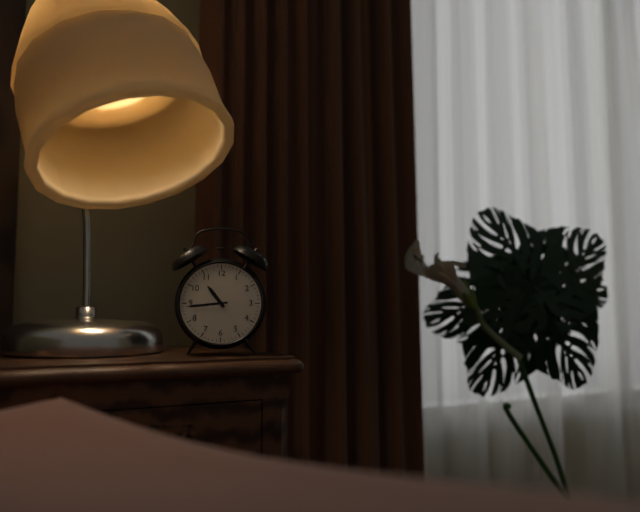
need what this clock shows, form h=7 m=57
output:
h=10 m=44
